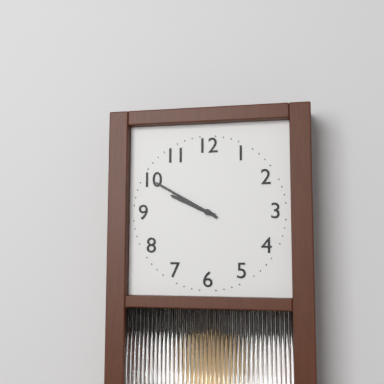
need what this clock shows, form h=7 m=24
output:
h=9 m=50
